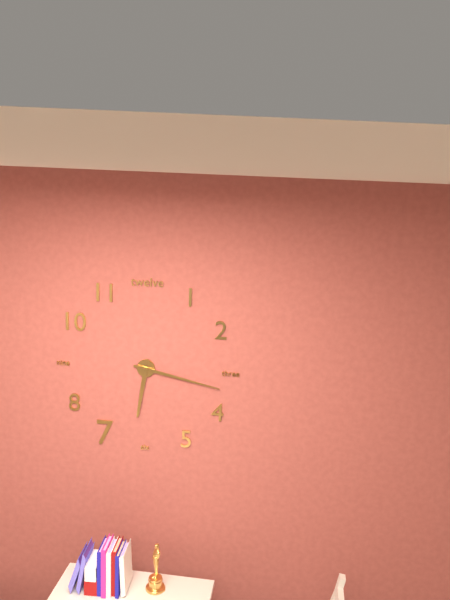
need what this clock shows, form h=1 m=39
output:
h=6 m=17
